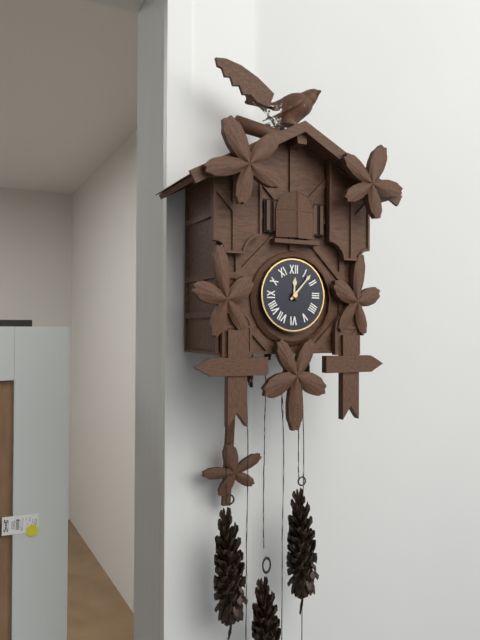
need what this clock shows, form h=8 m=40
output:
h=12 m=7
